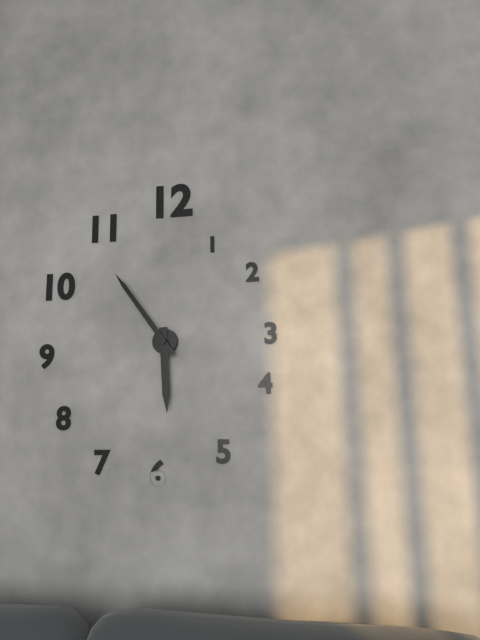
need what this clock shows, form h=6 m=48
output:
h=5 m=54
